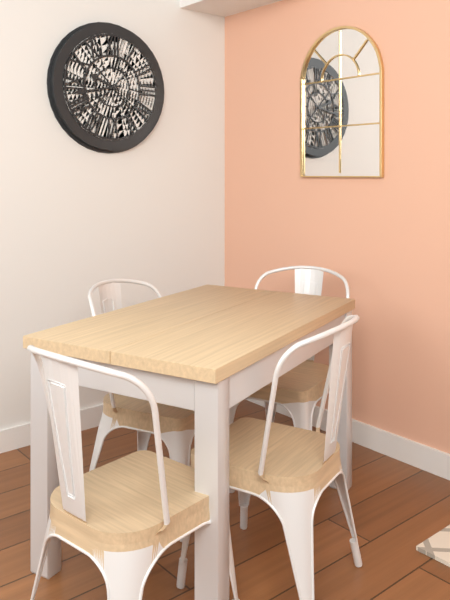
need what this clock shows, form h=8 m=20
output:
h=9 m=43
